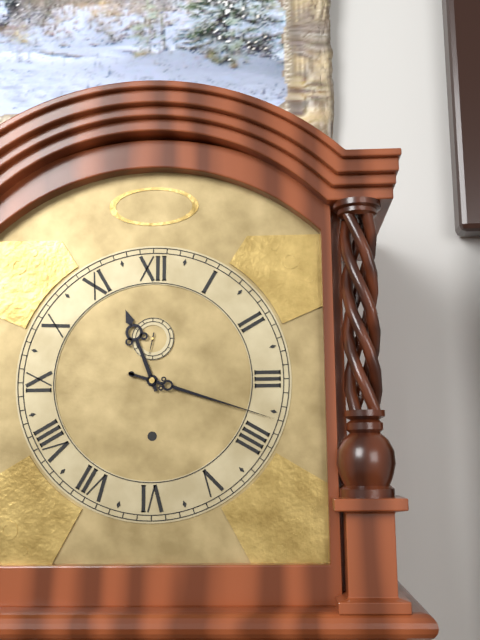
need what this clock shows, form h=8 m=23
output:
h=11 m=18
